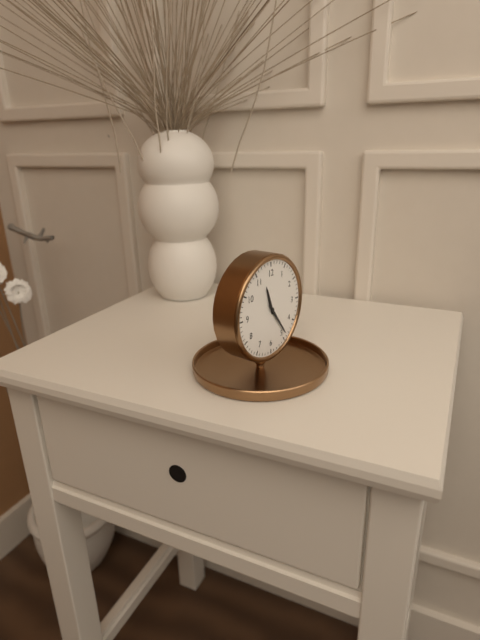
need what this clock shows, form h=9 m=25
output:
h=11 m=24
